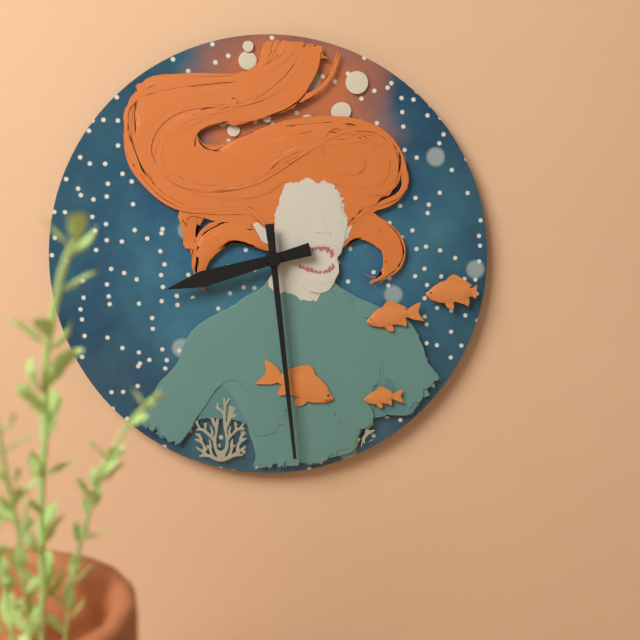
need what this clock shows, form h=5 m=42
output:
h=8 m=29
